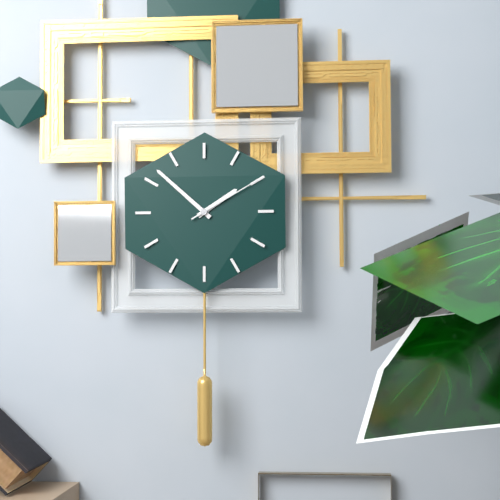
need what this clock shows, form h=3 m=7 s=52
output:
h=1 m=52 s=10
